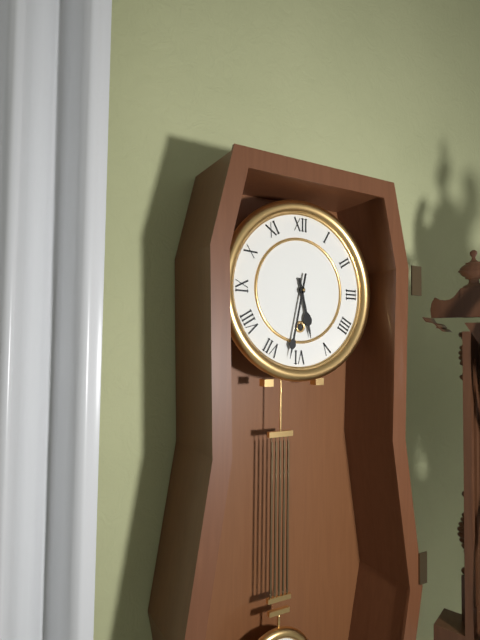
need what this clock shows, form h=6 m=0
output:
h=5 m=32
